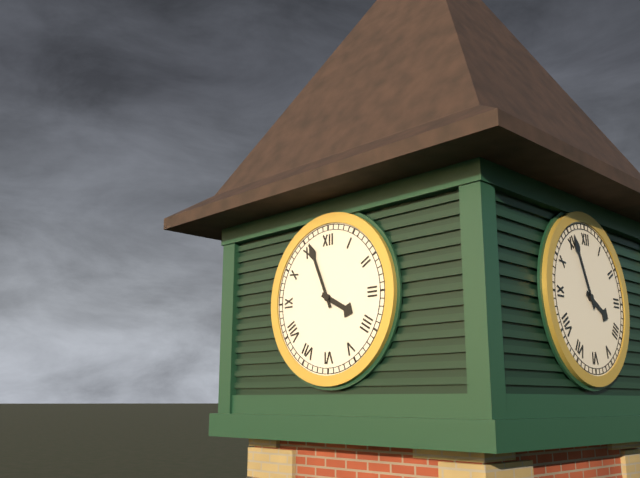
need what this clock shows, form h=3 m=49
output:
h=3 m=56
